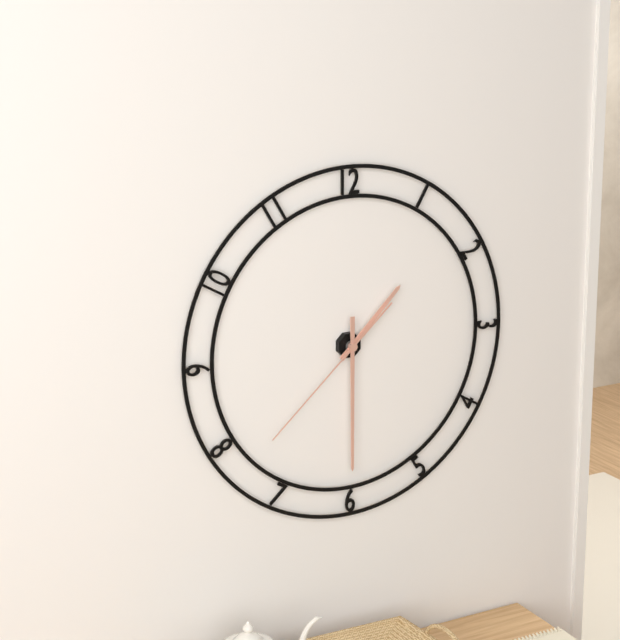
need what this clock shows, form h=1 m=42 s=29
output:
h=1 m=30 s=38
